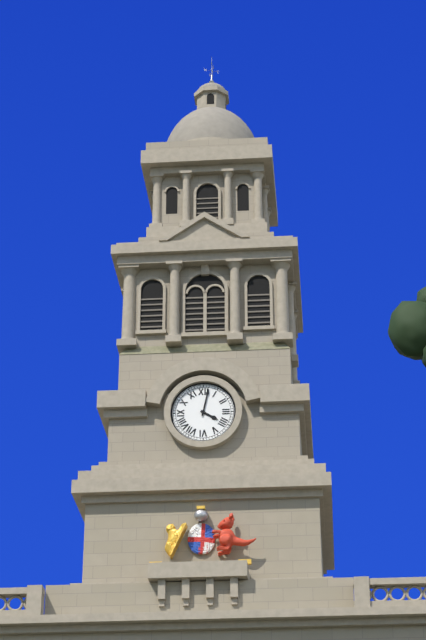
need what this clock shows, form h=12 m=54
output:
h=4 m=2
